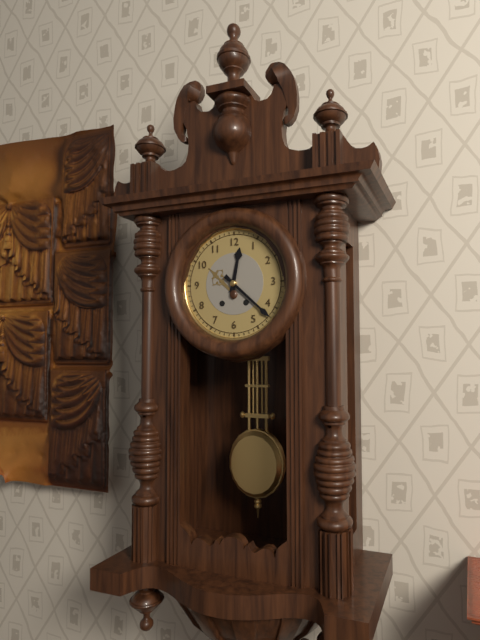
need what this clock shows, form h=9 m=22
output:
h=12 m=22
